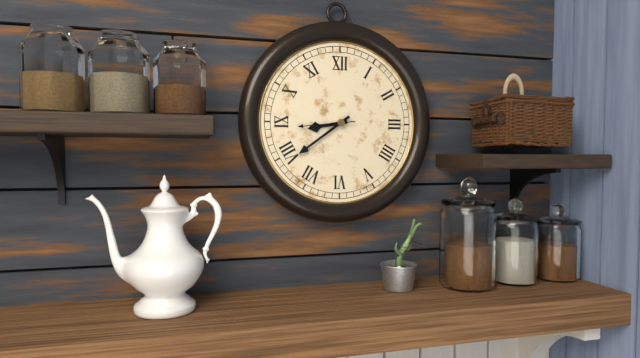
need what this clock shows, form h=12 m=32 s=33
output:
h=8 m=39 s=44
